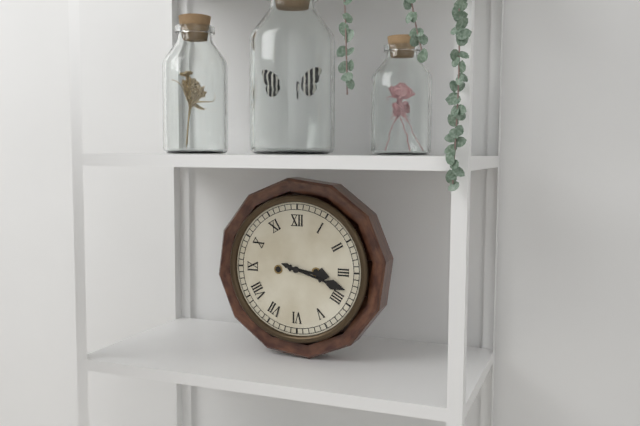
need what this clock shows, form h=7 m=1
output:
h=3 m=18
